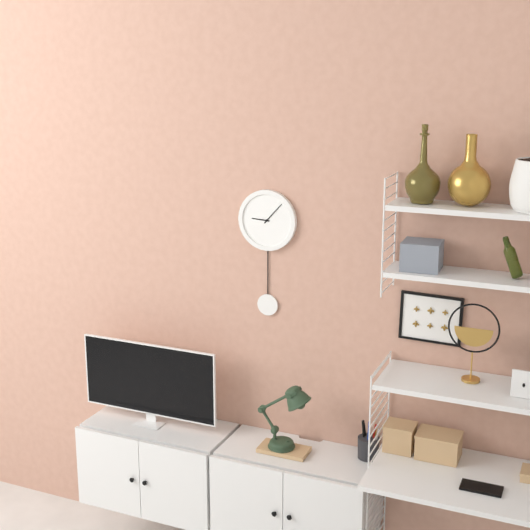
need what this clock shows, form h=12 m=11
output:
h=9 m=7
